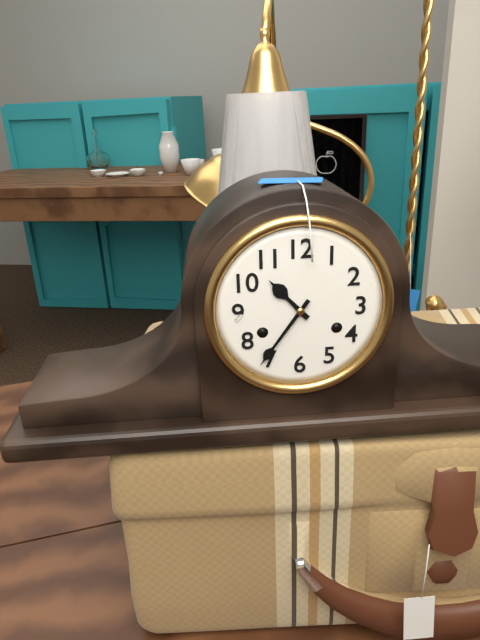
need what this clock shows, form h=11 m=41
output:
h=10 m=36
